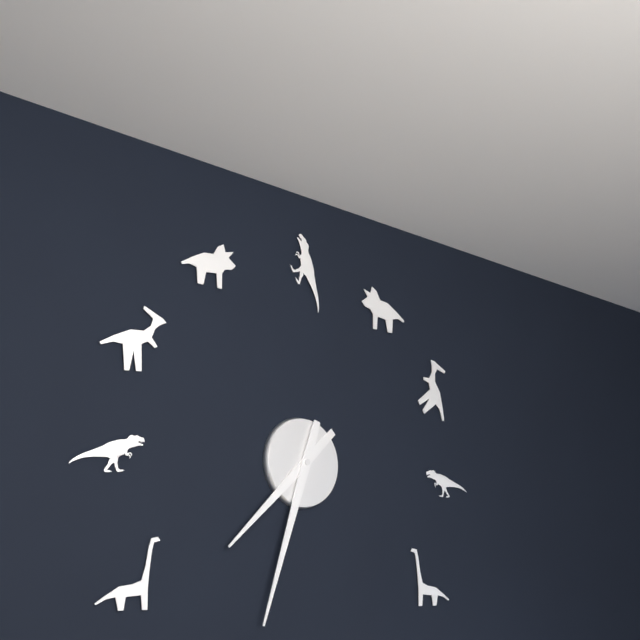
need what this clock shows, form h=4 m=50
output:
h=7 m=33
